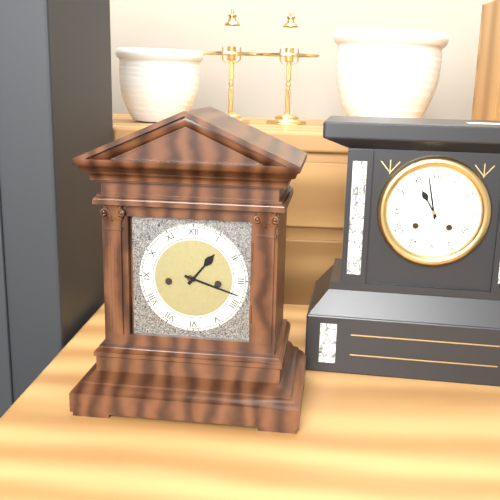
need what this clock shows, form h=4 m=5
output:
h=1 m=18
